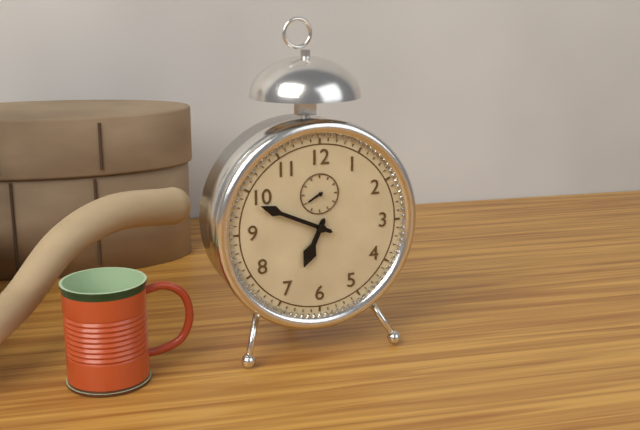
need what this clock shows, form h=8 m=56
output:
h=6 m=49
